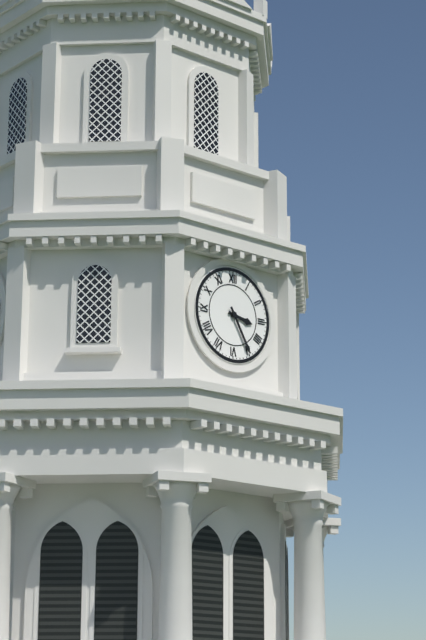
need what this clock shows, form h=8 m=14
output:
h=3 m=25
